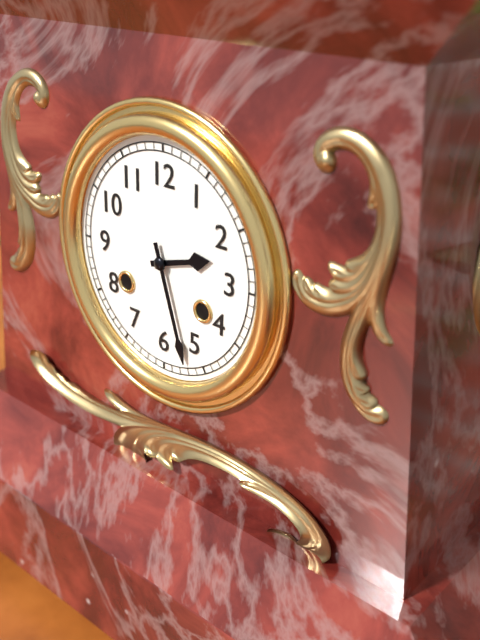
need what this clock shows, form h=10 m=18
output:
h=2 m=27
